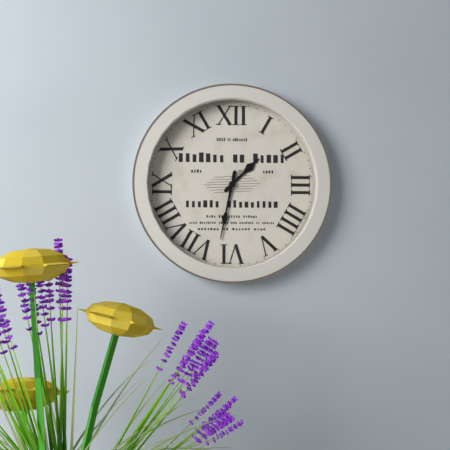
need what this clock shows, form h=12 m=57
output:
h=1 m=32
